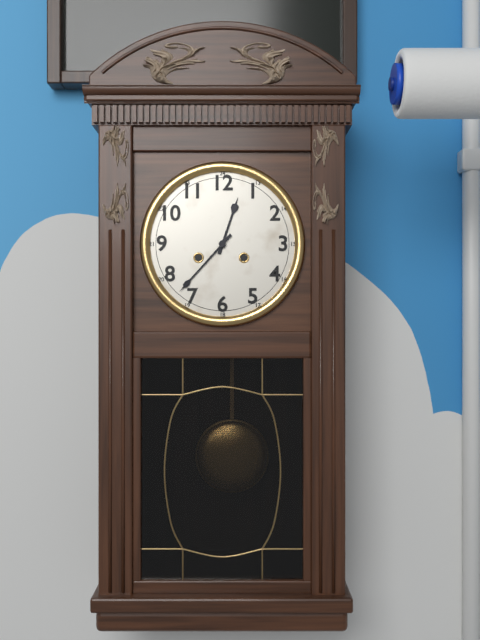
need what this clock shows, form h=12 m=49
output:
h=12 m=37
